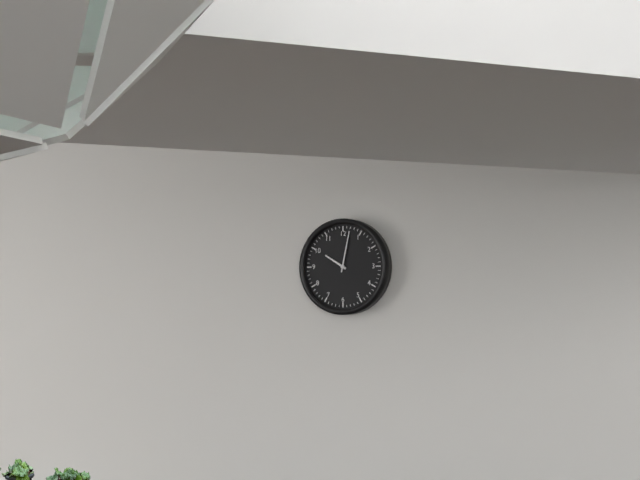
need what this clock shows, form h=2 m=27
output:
h=10 m=2
